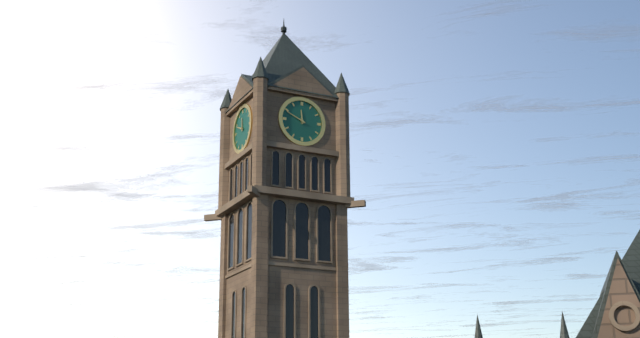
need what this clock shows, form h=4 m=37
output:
h=11 m=49
